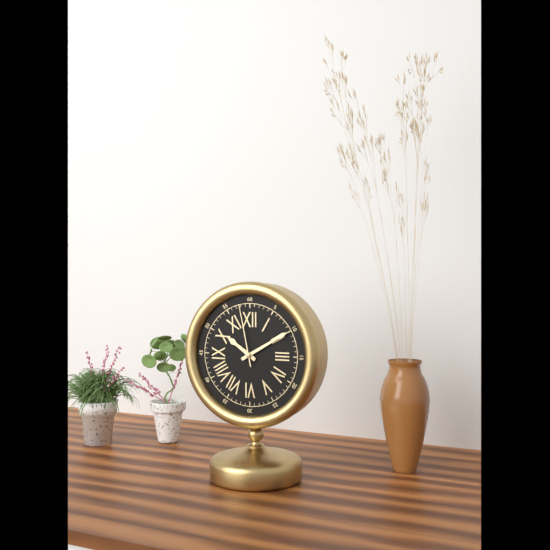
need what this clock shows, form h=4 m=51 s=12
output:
h=10 m=10 s=58
